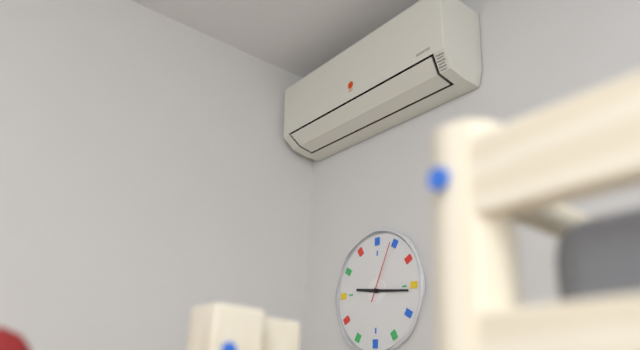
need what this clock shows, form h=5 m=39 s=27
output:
h=9 m=16 s=4
